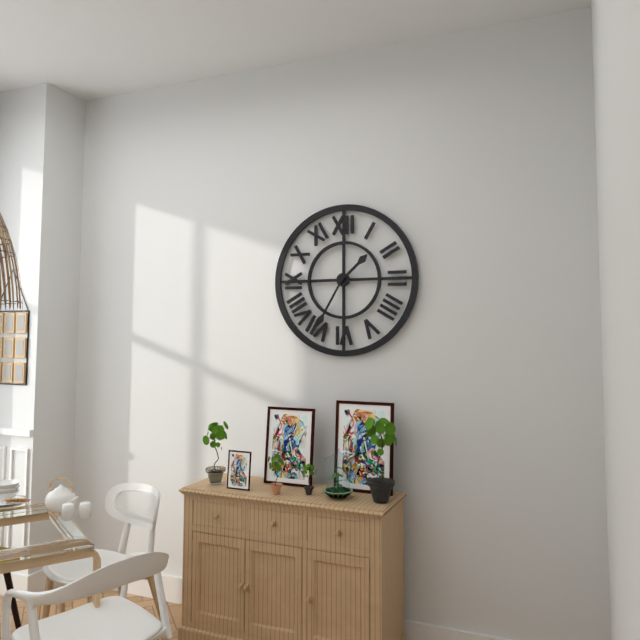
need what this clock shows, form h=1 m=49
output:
h=1 m=35
